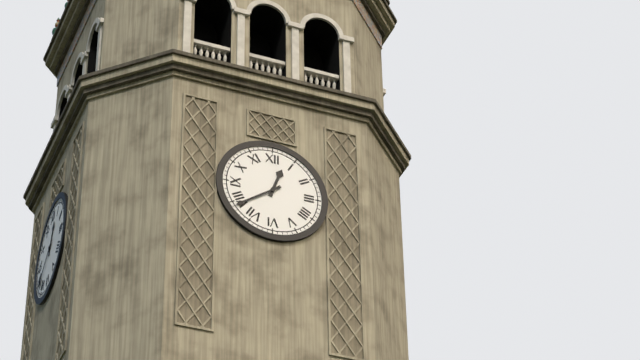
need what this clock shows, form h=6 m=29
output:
h=12 m=39
